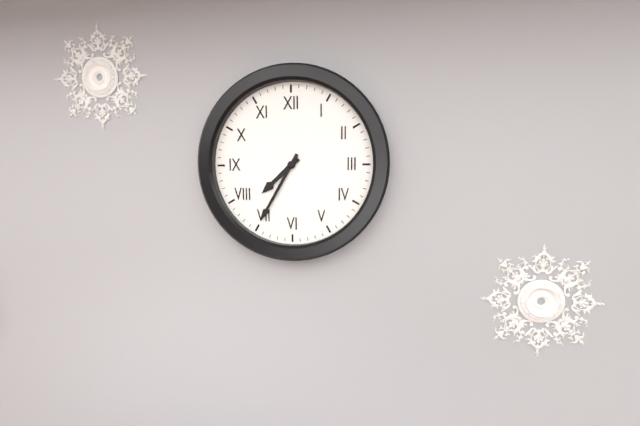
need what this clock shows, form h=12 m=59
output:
h=7 m=35
